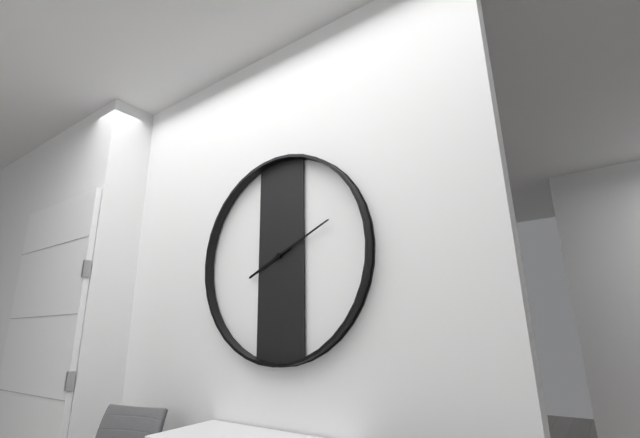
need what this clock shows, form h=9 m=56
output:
h=8 m=11
